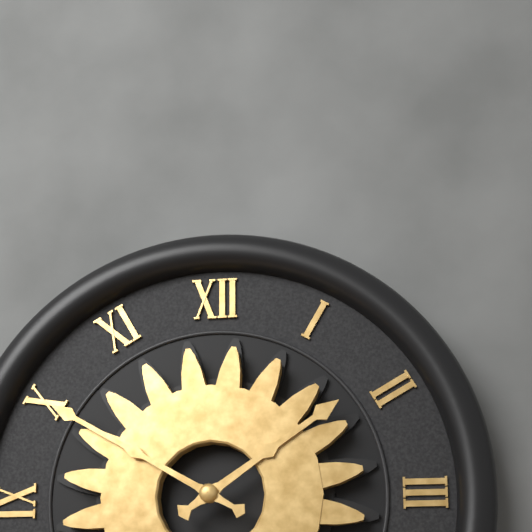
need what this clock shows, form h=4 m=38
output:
h=1 m=50
